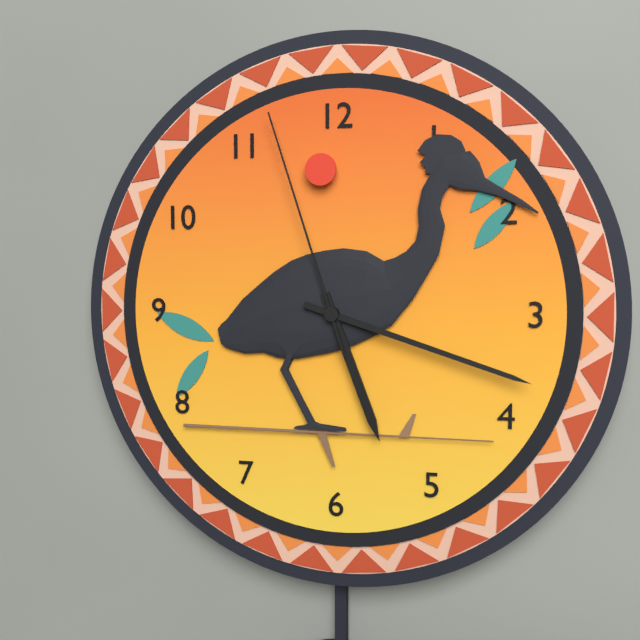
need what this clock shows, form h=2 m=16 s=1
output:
h=5 m=18 s=57
